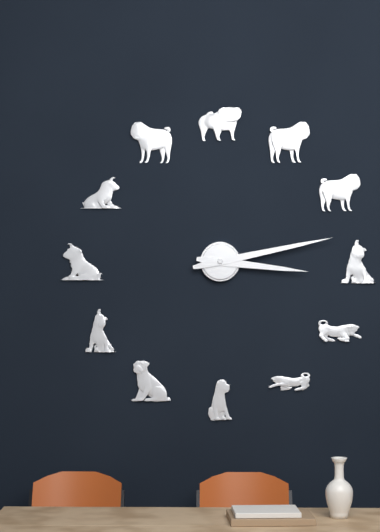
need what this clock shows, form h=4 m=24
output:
h=3 m=13
